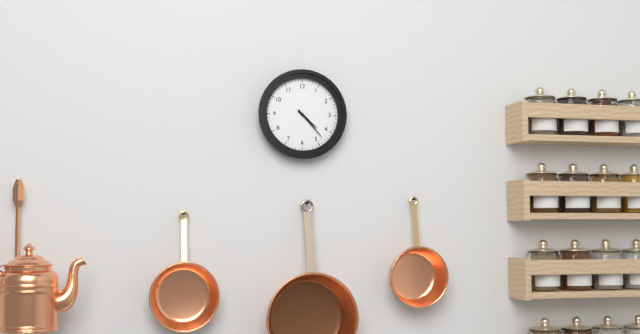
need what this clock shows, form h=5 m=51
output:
h=4 m=23
